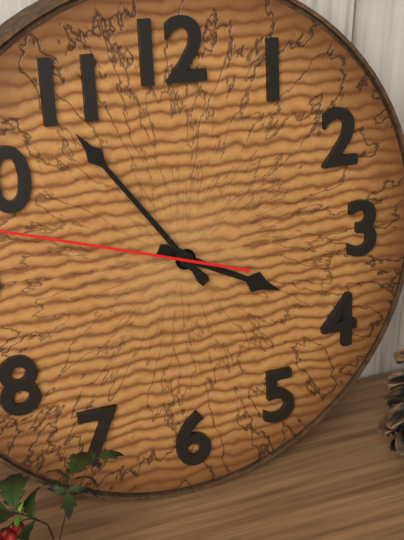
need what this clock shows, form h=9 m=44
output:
h=3 m=54
